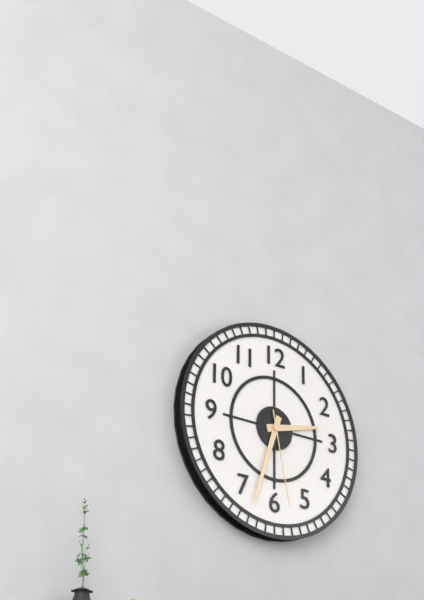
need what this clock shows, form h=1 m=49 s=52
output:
h=2 m=33 s=28
